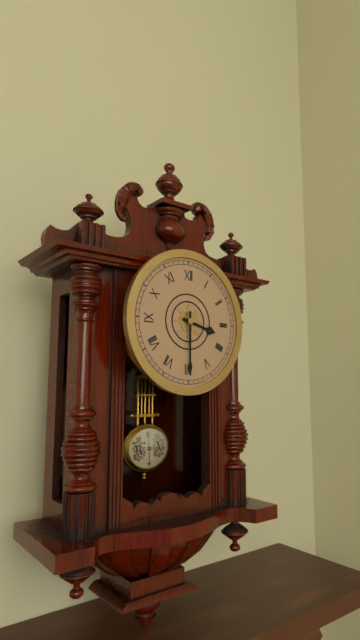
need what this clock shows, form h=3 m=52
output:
h=3 m=30
